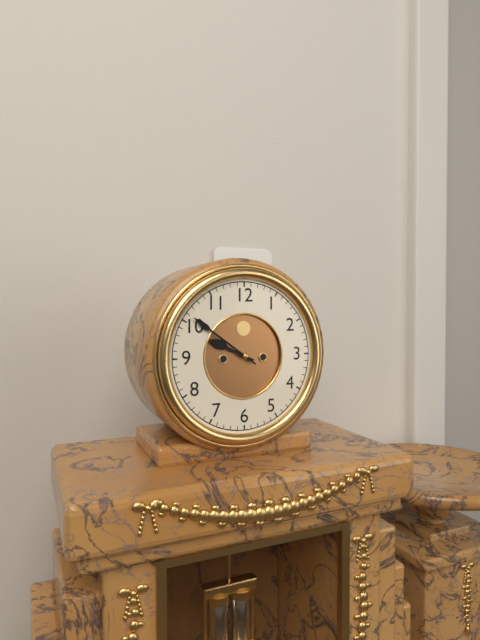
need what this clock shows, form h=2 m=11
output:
h=9 m=51
